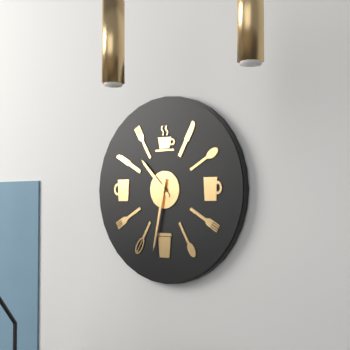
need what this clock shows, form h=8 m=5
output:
h=10 m=32
